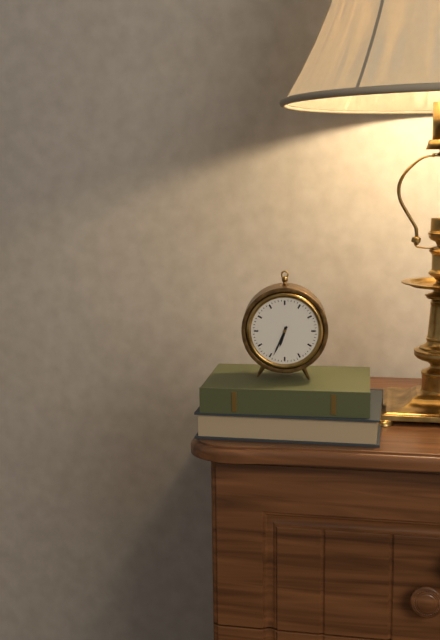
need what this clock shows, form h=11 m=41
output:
h=6 m=34
